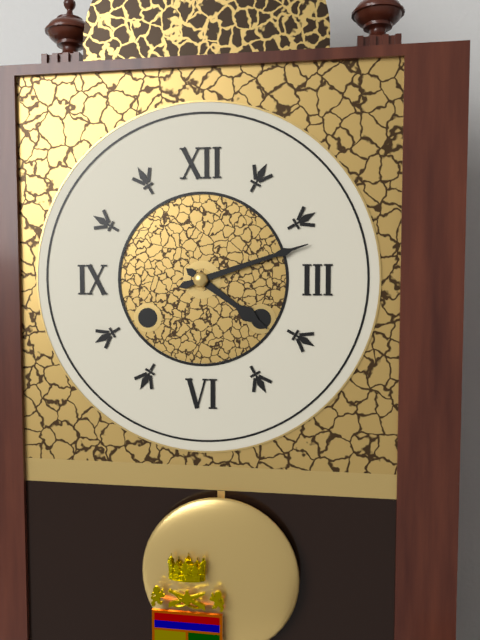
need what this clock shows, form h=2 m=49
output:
h=4 m=12
